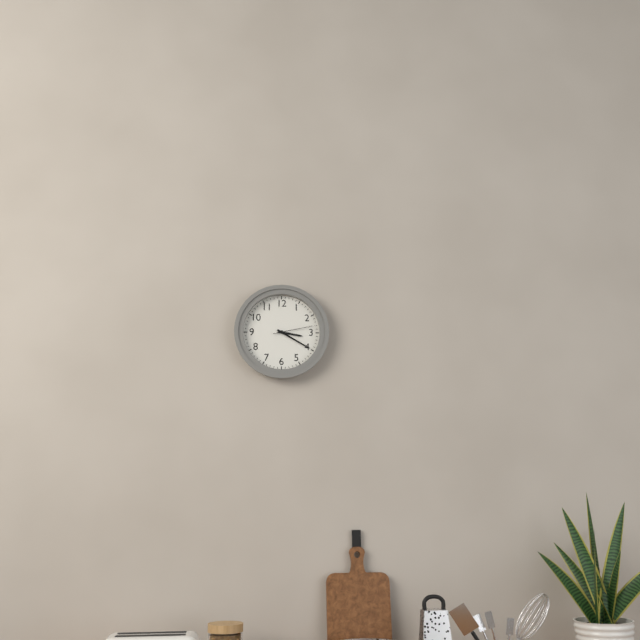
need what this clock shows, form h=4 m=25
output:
h=3 m=20
